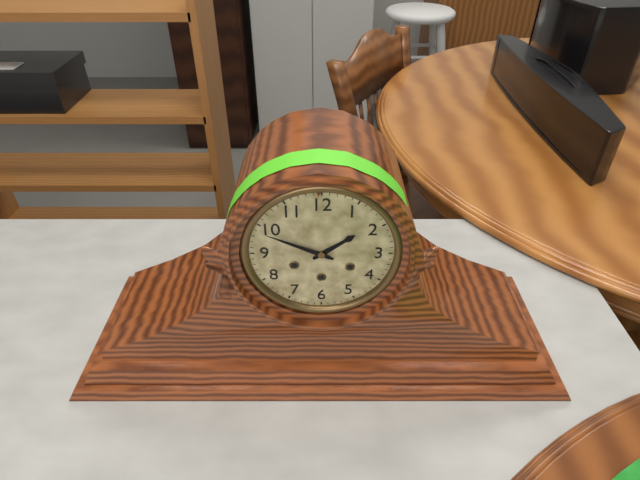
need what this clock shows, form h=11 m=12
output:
h=1 m=49
